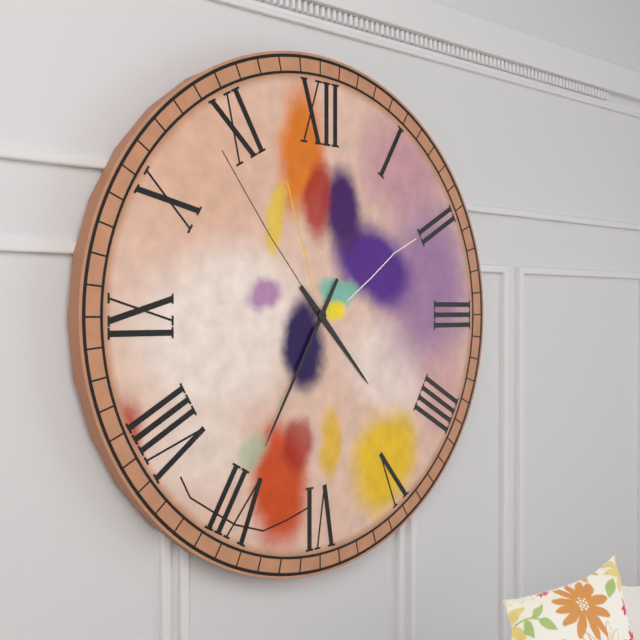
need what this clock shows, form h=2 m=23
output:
h=4 m=35
